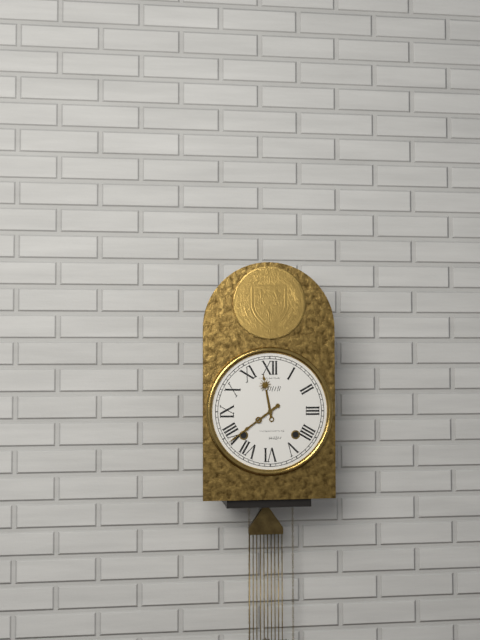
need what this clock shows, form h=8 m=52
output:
h=11 m=39
